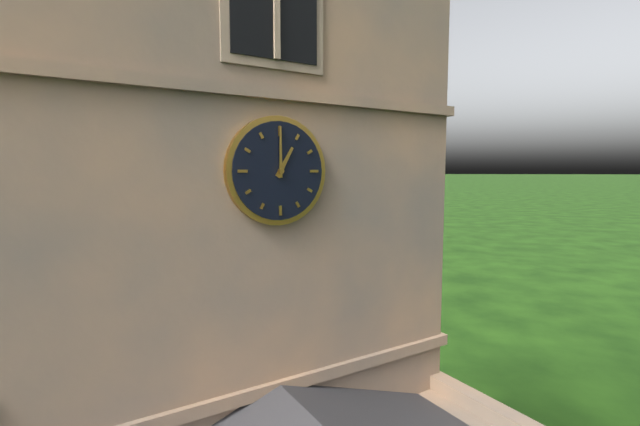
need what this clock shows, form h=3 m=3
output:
h=1 m=0
